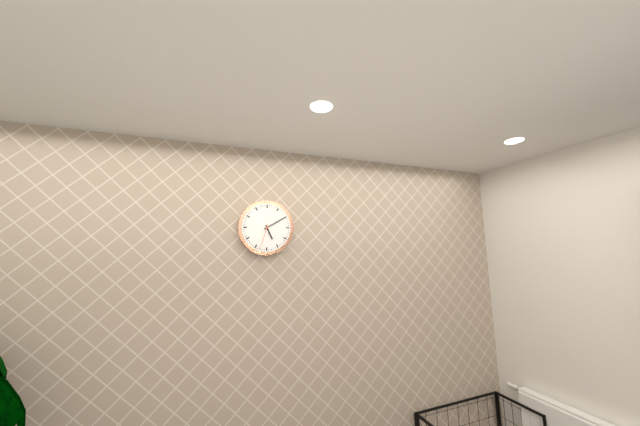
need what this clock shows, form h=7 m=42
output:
h=5 m=10
